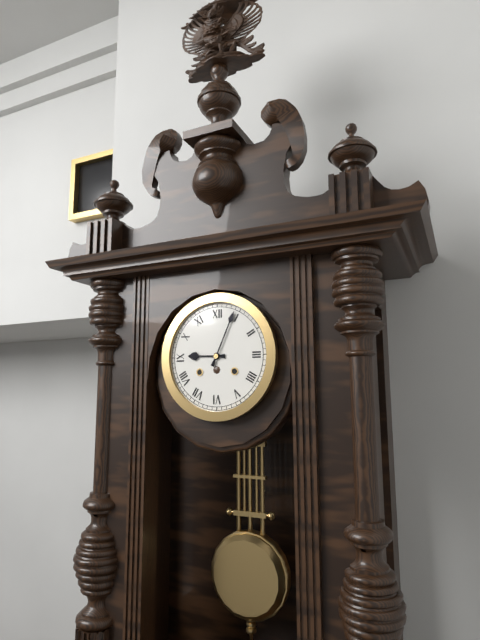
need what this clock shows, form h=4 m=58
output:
h=9 m=4
